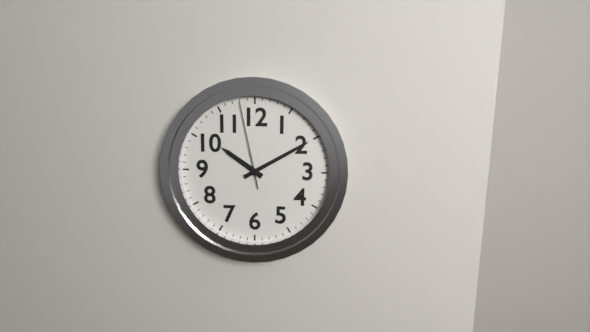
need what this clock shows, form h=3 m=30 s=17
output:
h=10 m=10 s=58
